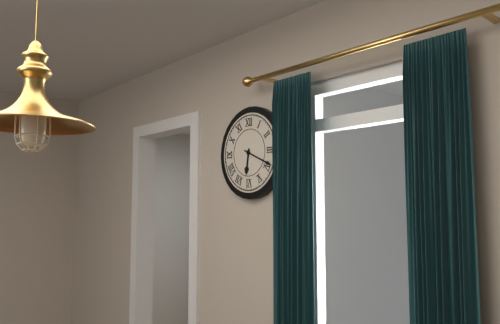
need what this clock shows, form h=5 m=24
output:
h=6 m=19
